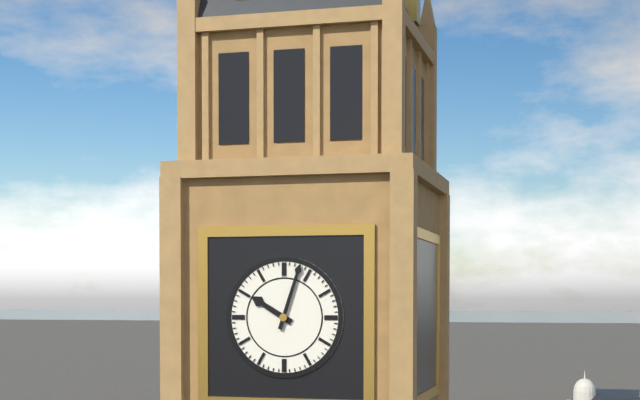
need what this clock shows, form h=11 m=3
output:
h=10 m=3
